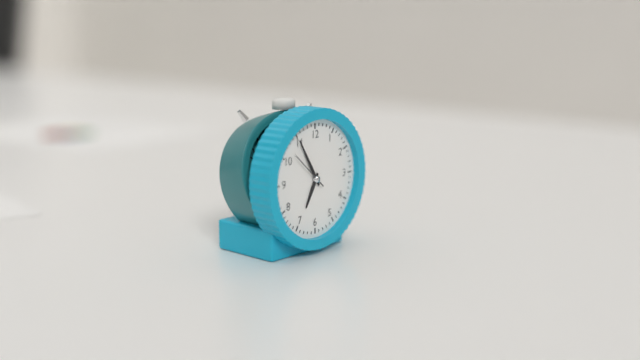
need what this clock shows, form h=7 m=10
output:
h=6 m=55
